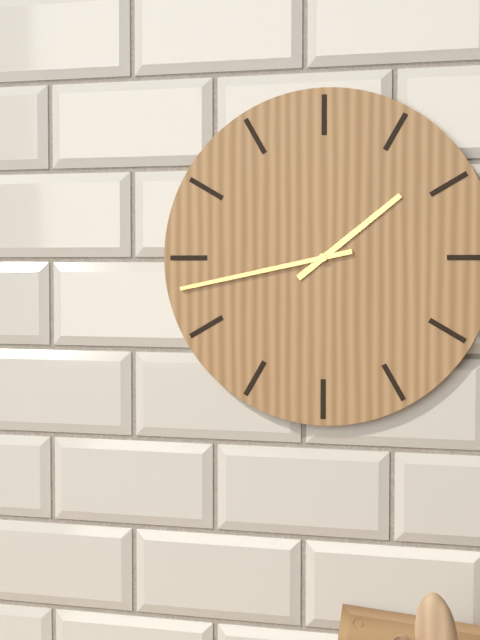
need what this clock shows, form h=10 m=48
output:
h=1 m=43
